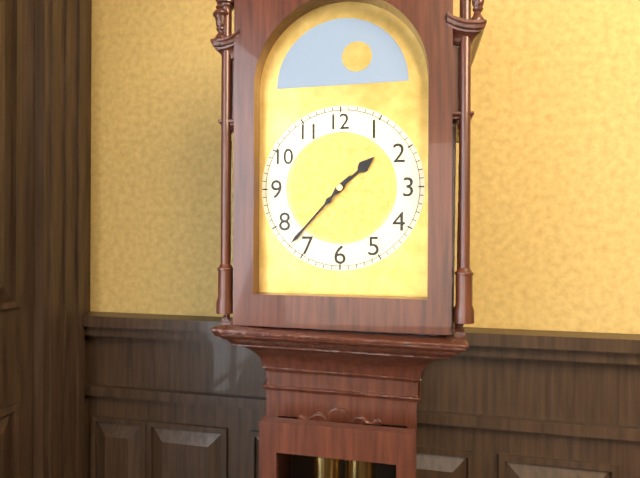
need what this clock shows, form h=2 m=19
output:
h=1 m=37
